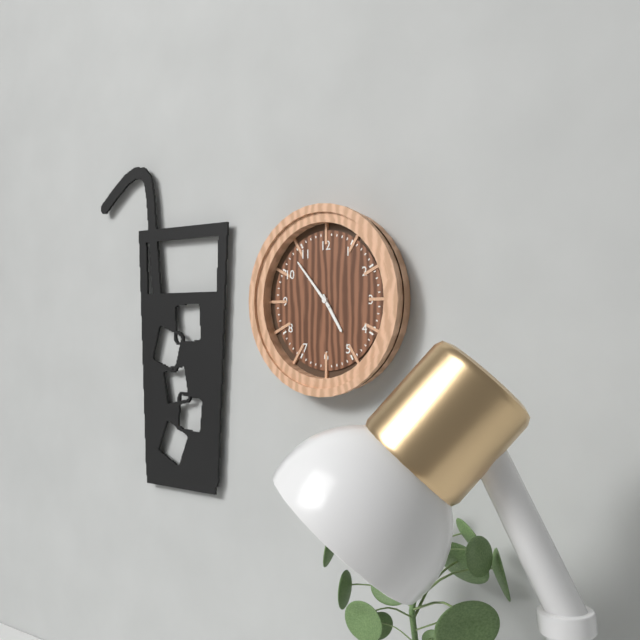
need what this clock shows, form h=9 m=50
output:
h=4 m=53
